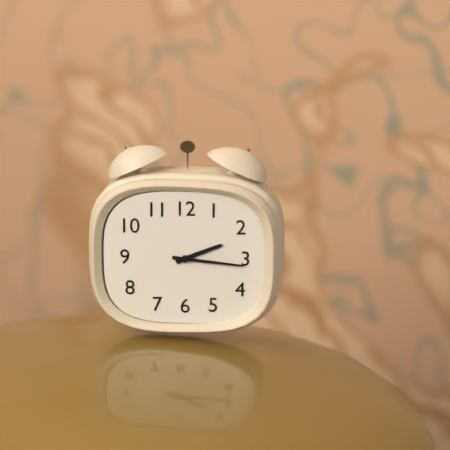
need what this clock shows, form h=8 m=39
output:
h=2 m=16
